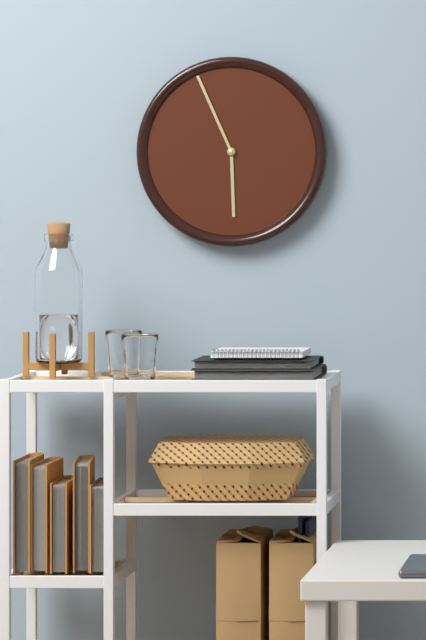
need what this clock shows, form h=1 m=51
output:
h=5 m=56
